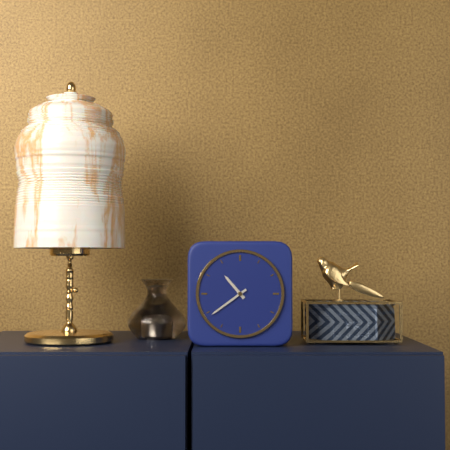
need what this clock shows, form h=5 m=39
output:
h=10 m=39
